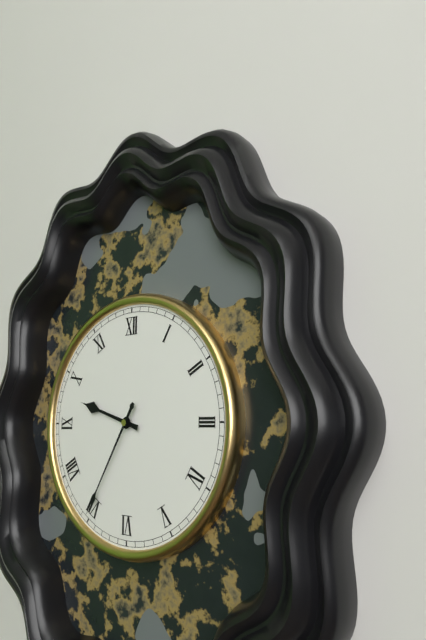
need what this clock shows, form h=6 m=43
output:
h=9 m=35
